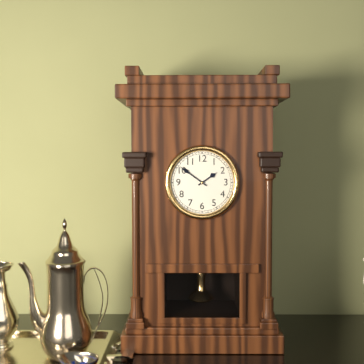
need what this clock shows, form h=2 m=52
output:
h=1 m=51
